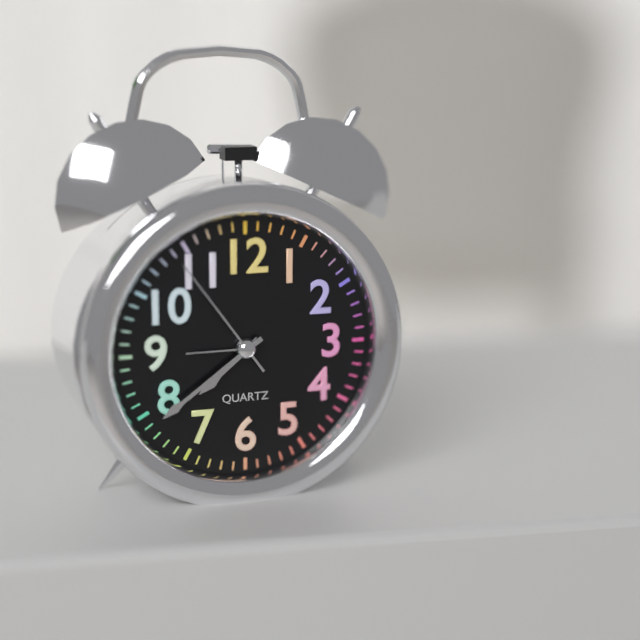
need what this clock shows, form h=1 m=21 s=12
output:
h=7 m=39 s=54
